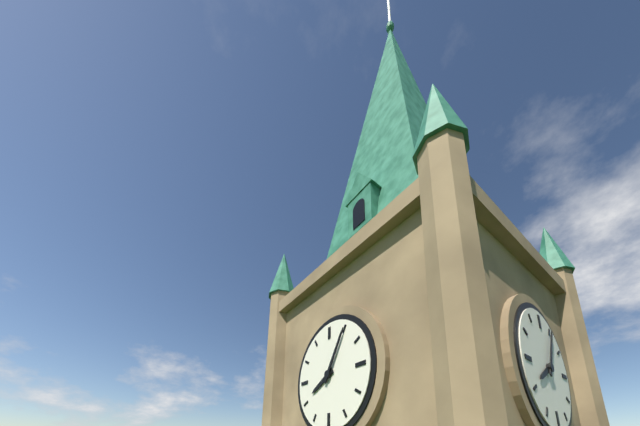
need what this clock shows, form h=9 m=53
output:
h=8 m=5
